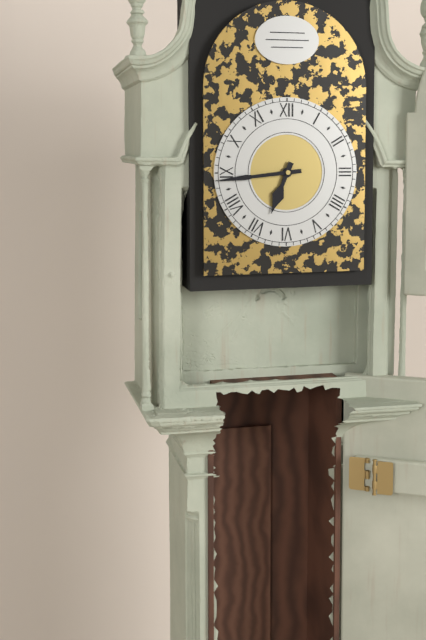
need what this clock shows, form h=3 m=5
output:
h=6 m=44
